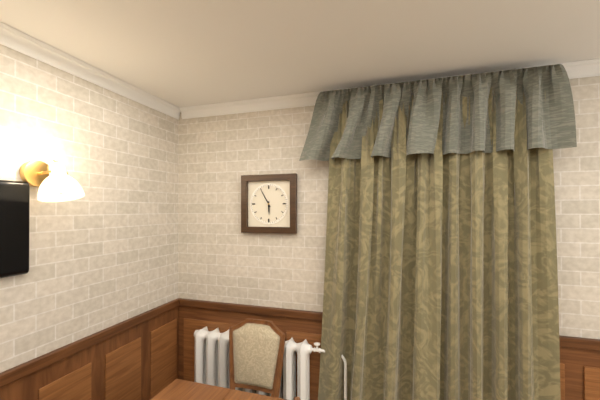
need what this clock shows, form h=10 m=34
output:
h=5 m=55
